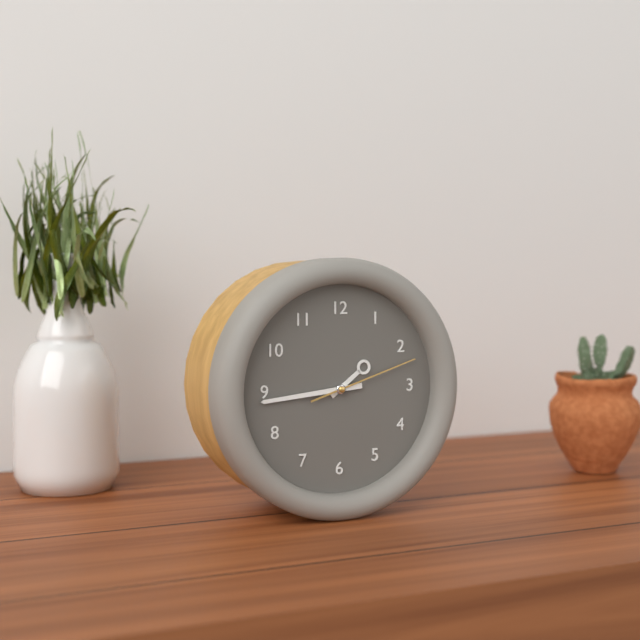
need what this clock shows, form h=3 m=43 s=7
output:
h=1 m=44 s=12
